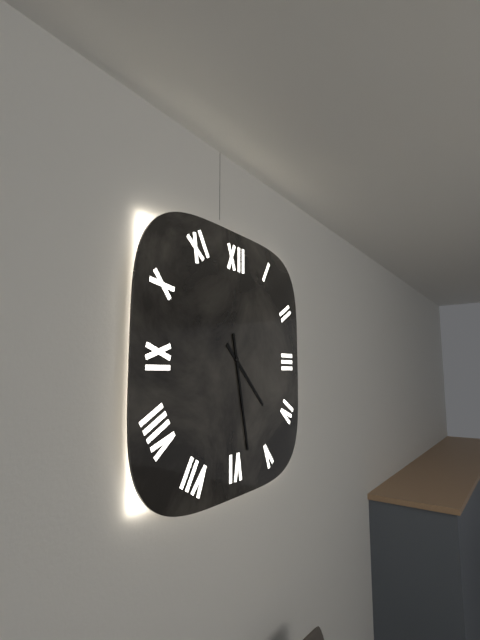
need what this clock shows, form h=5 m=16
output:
h=4 m=28
